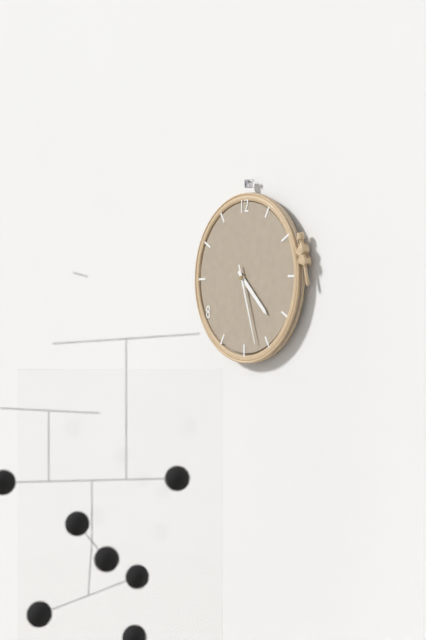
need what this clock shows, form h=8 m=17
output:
h=4 m=27
